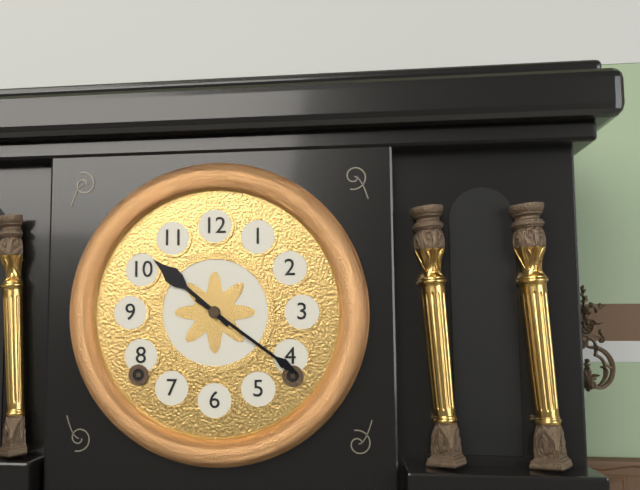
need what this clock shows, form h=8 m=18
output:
h=10 m=21
